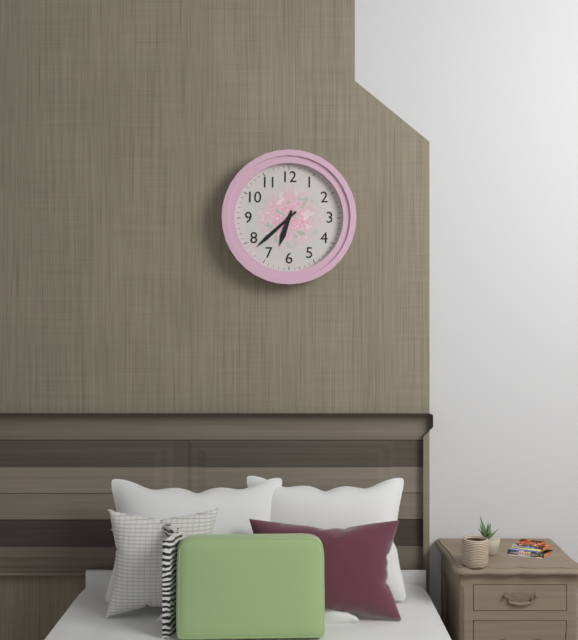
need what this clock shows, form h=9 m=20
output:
h=6 m=38
